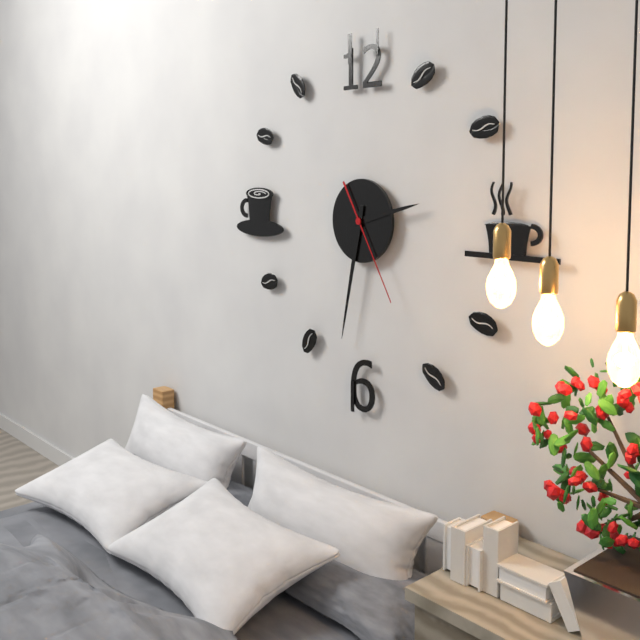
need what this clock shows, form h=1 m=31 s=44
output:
h=2 m=32 s=25
